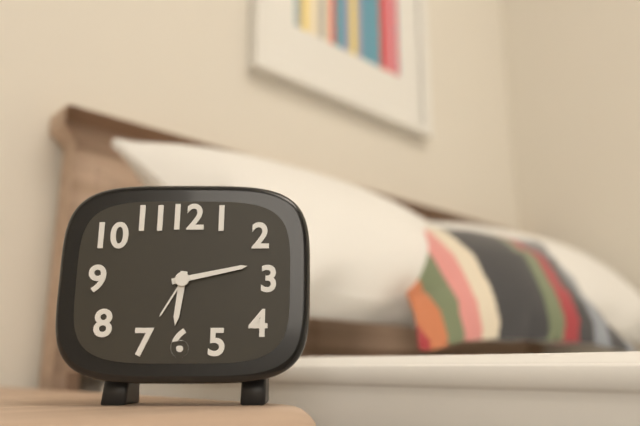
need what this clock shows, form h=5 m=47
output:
h=6 m=13
